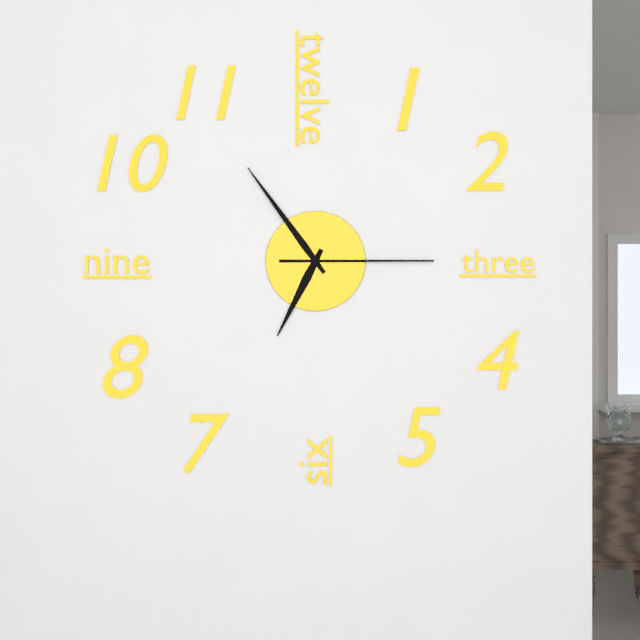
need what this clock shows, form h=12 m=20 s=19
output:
h=6 m=54 s=15
